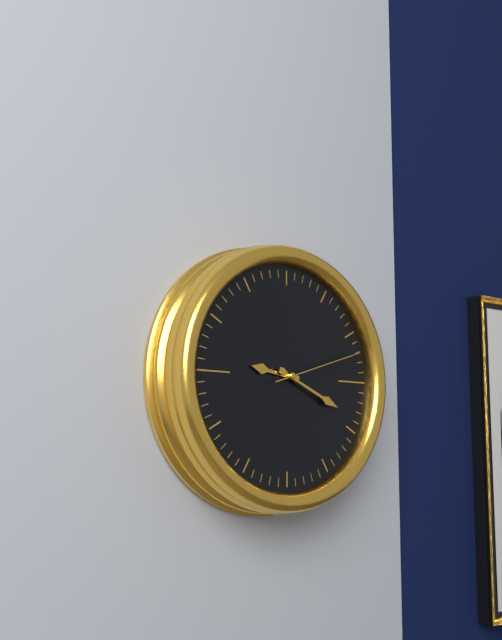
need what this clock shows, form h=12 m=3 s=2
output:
h=9 m=19 s=12
